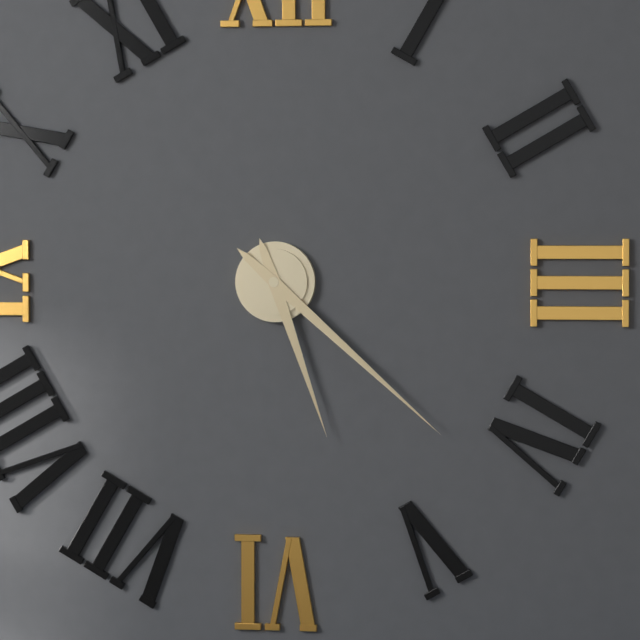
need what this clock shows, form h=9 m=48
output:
h=5 m=22
